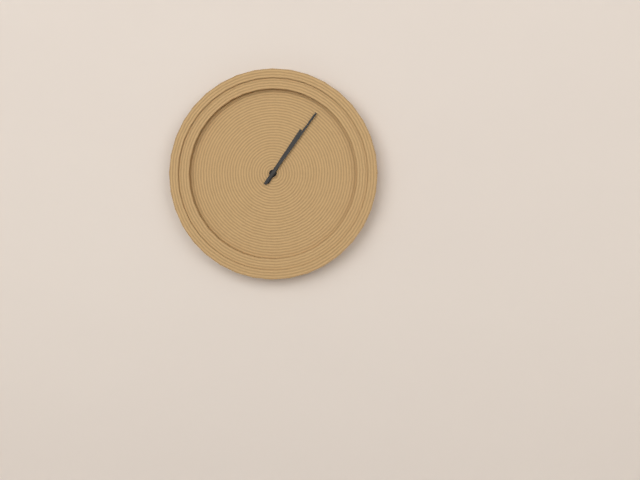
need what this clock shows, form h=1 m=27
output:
h=1 m=6
